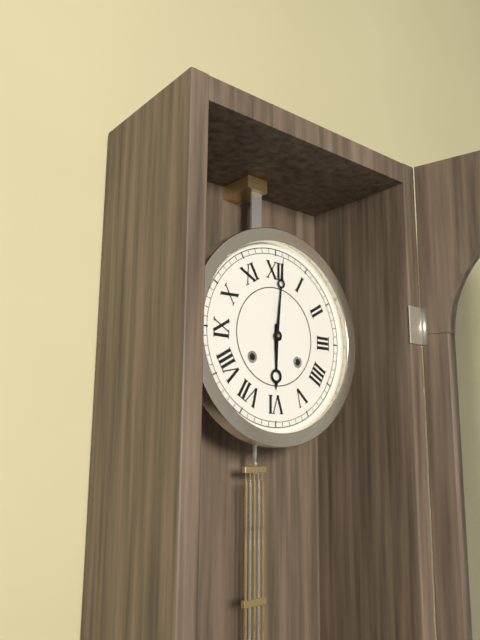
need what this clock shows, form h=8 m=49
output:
h=6 m=1
